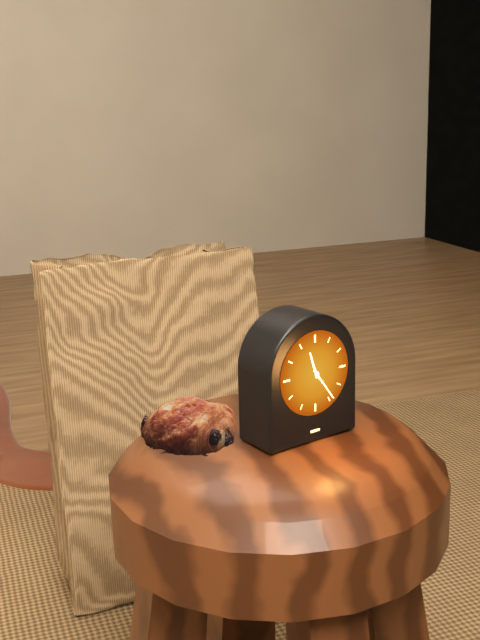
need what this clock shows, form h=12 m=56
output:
h=11 m=24
